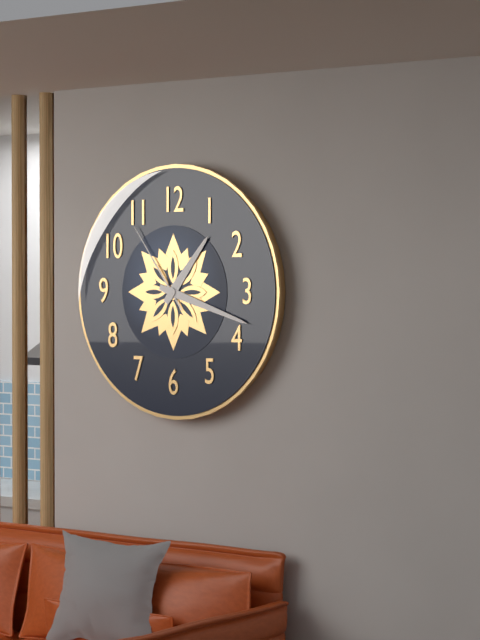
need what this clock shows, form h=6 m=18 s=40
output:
h=1 m=18 s=54
